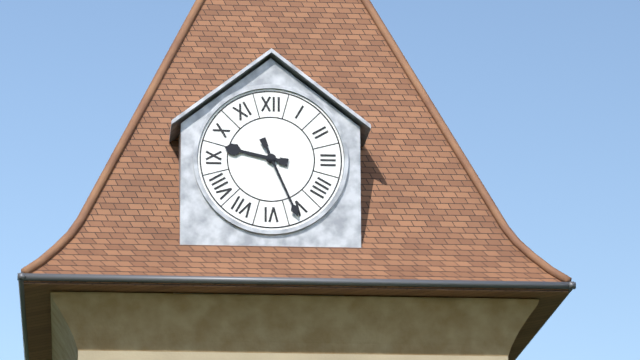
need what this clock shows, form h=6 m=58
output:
h=9 m=26
